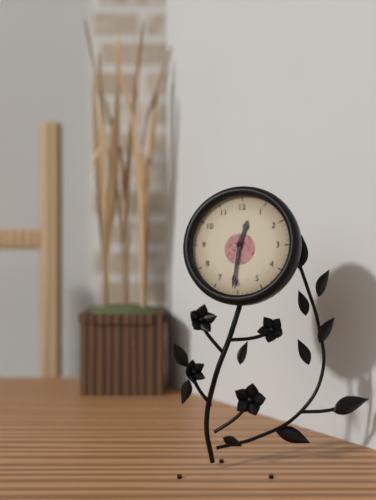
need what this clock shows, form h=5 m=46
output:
h=12 m=31
